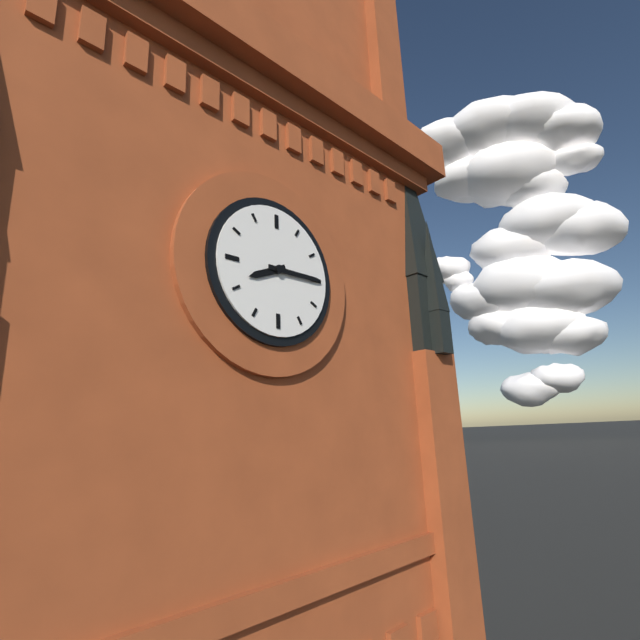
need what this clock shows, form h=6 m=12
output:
h=8 m=15
